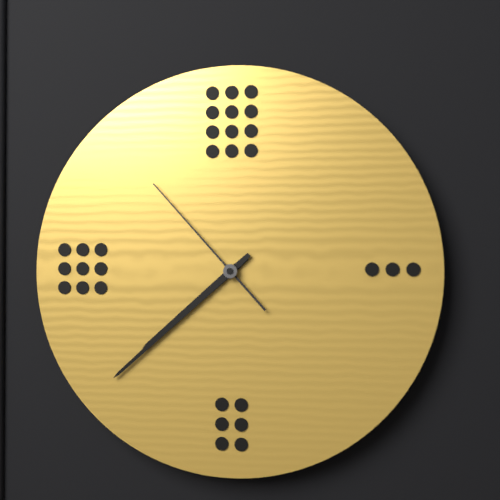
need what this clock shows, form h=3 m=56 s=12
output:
h=7 m=38 s=53
